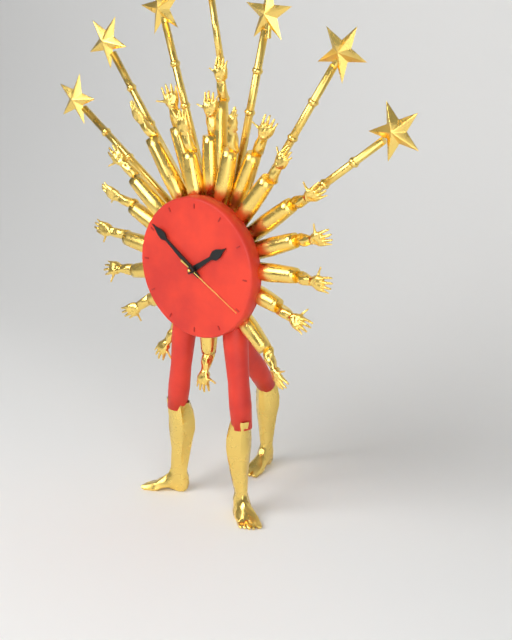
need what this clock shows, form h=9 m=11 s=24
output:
h=1 m=51 s=20
